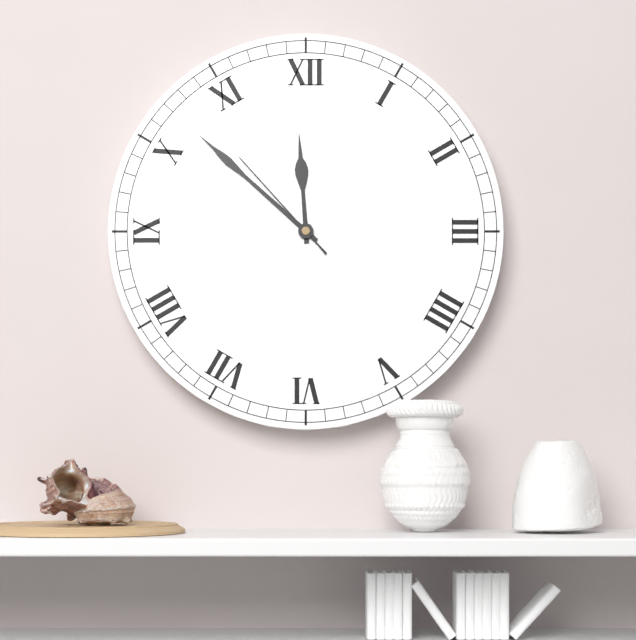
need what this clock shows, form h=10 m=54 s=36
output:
h=11 m=52 s=53
